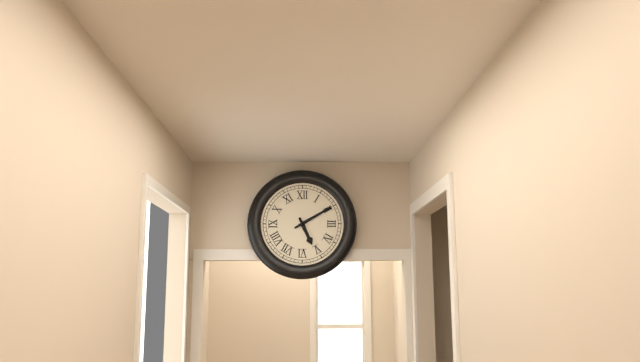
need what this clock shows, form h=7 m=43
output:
h=5 m=10
